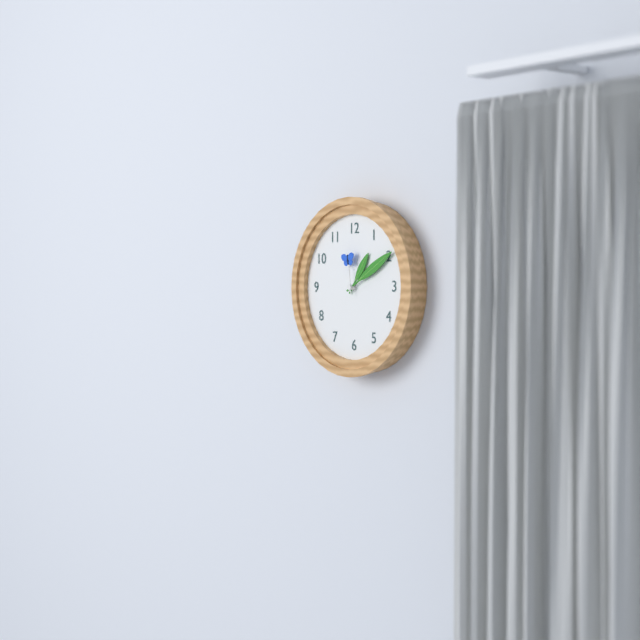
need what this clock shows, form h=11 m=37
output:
h=1 m=10
